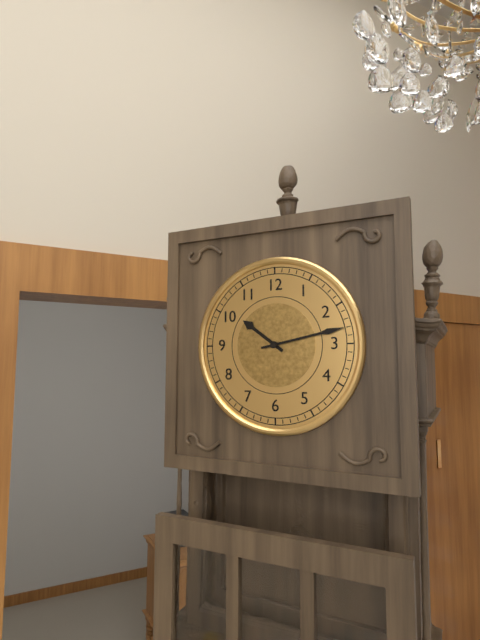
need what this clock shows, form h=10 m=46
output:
h=10 m=13
